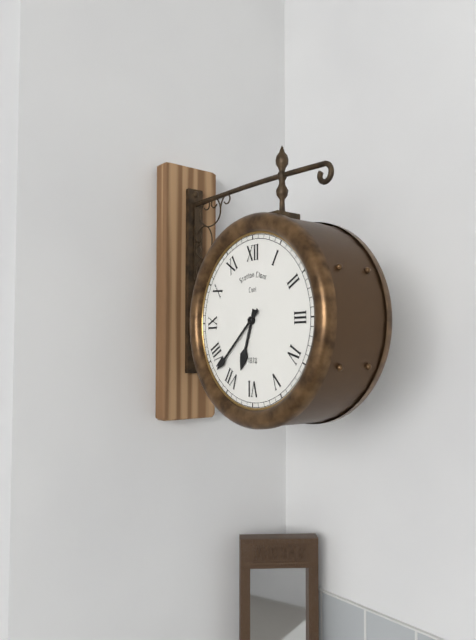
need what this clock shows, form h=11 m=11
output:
h=6 m=38
